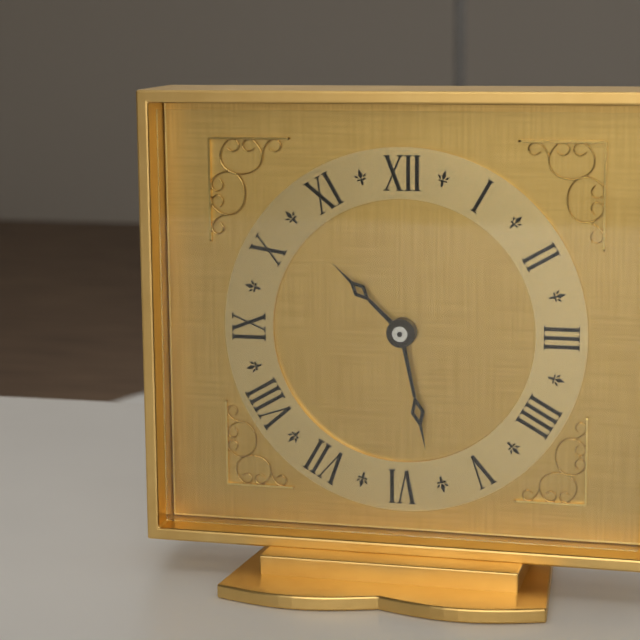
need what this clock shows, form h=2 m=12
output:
h=10 m=28
